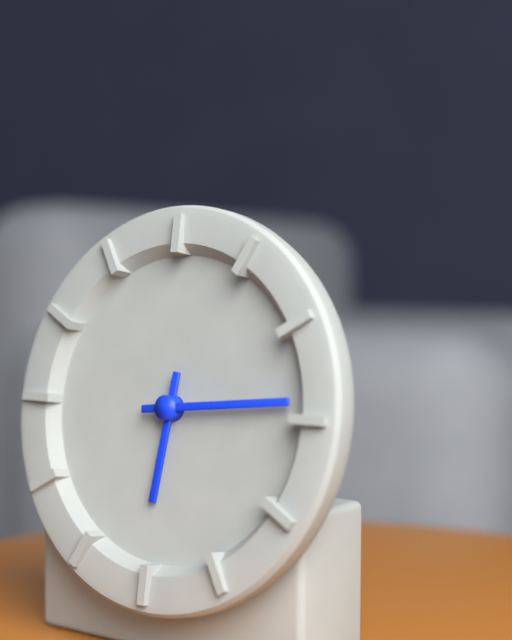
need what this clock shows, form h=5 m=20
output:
h=6 m=14
